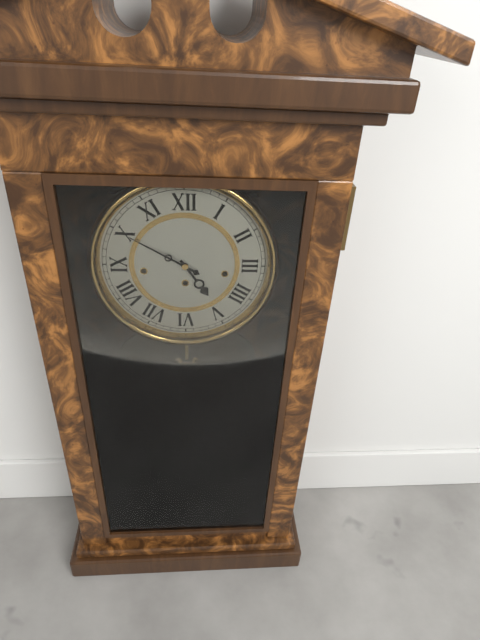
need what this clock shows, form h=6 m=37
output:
h=4 m=50
